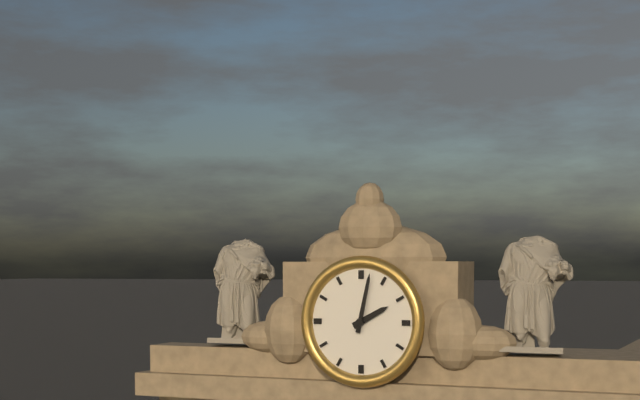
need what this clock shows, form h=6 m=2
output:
h=2 m=2
